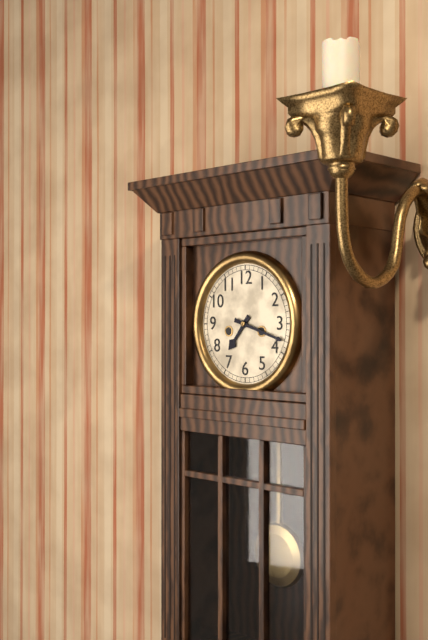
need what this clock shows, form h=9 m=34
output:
h=7 m=18
